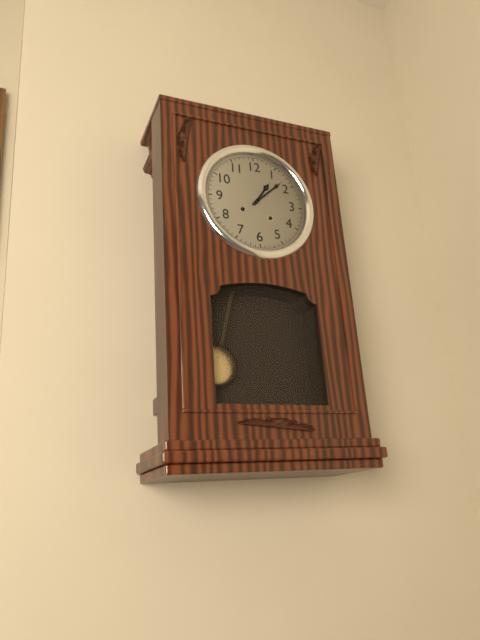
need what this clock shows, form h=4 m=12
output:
h=1 m=8
